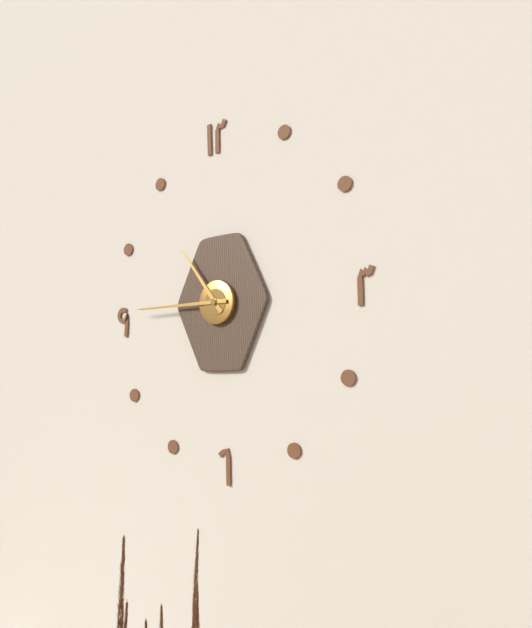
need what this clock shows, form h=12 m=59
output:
h=10 m=45
